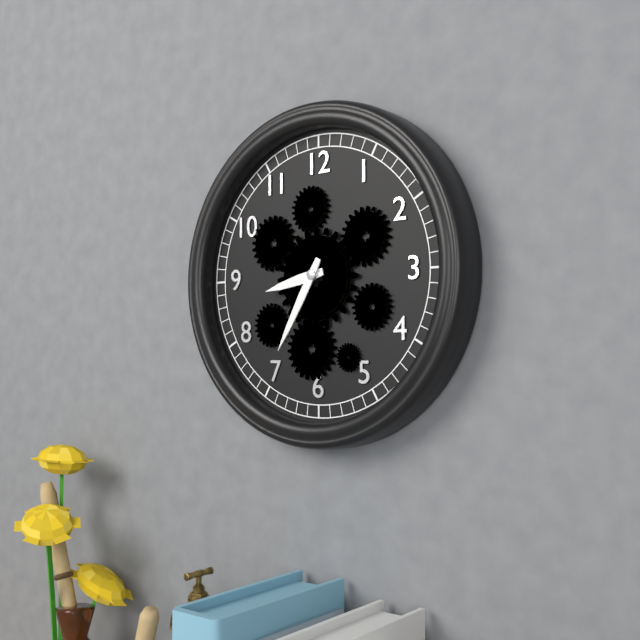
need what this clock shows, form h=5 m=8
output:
h=8 m=35
